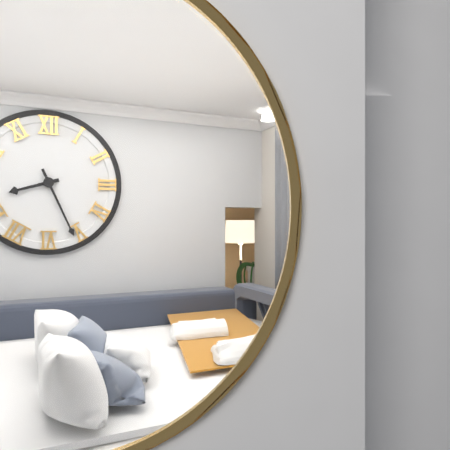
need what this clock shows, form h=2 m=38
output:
h=8 m=26
